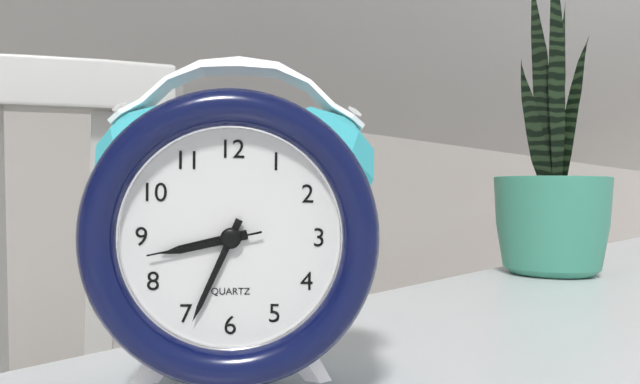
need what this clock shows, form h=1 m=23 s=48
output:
h=8 m=34 s=43
